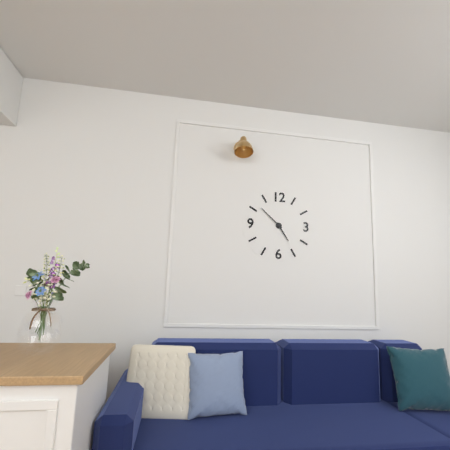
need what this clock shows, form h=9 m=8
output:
h=4 m=52
